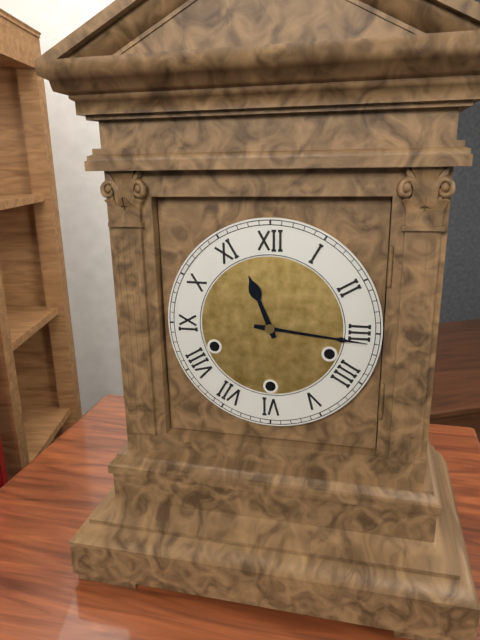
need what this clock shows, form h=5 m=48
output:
h=11 m=16
